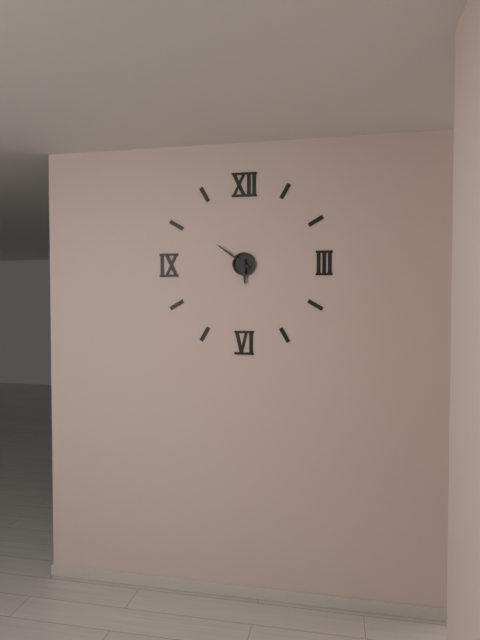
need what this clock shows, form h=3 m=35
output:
h=5 m=51
